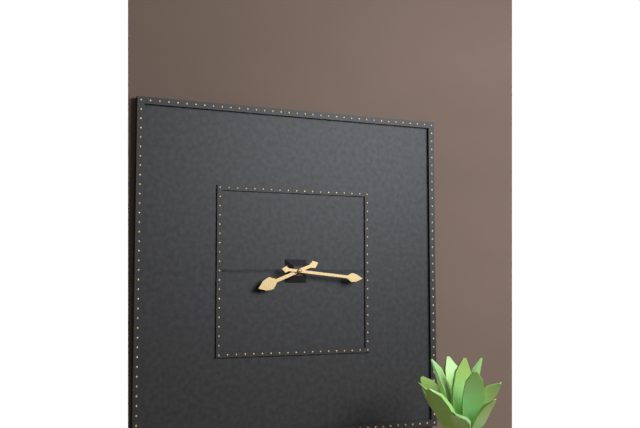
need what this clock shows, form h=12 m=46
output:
h=8 m=16
